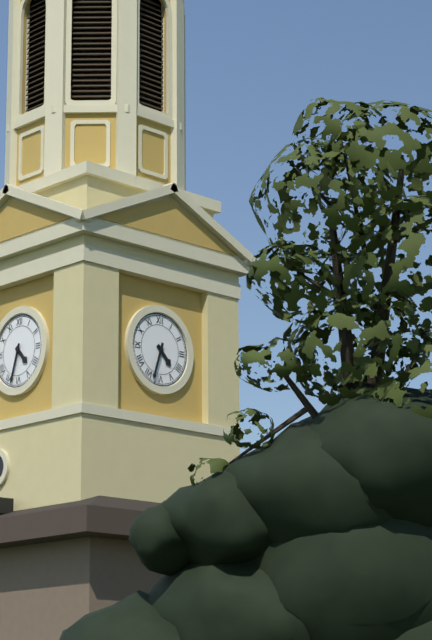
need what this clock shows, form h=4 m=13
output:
h=4 m=33
